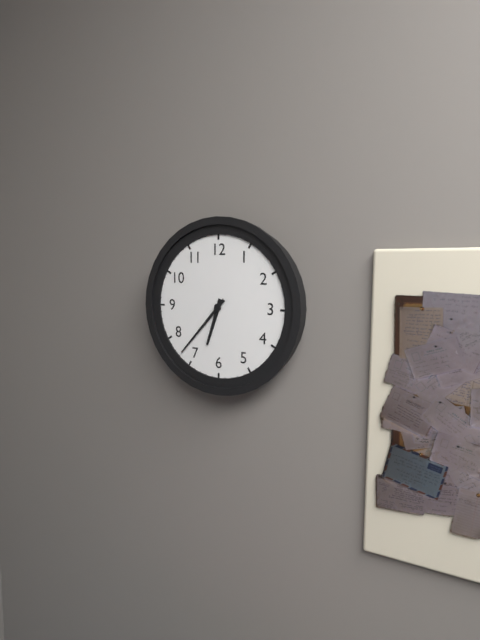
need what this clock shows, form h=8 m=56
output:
h=6 m=37
